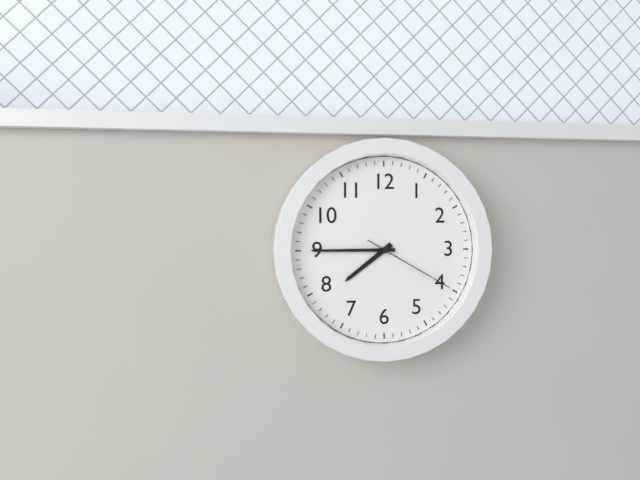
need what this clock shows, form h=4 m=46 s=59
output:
h=7 m=45 s=20
